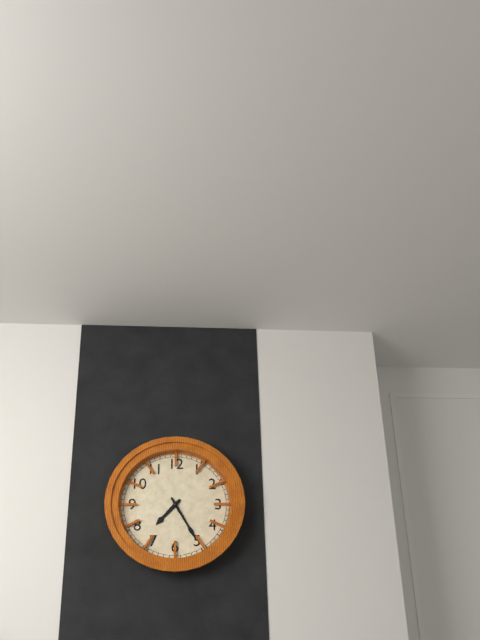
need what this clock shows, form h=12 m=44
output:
h=7 m=25
